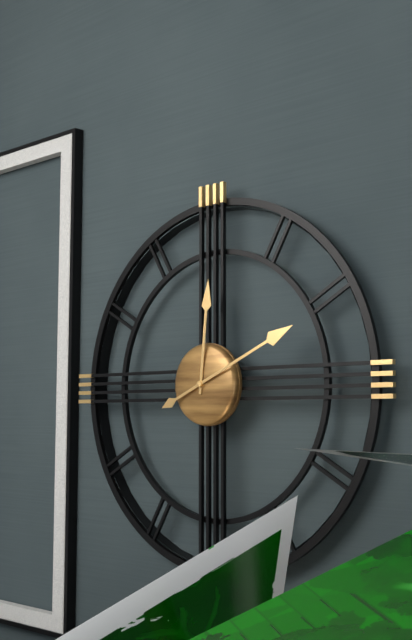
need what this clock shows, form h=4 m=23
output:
h=12 m=11
